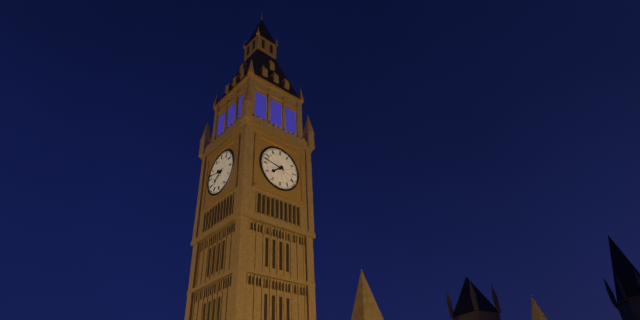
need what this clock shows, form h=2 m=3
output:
h=7 m=47
